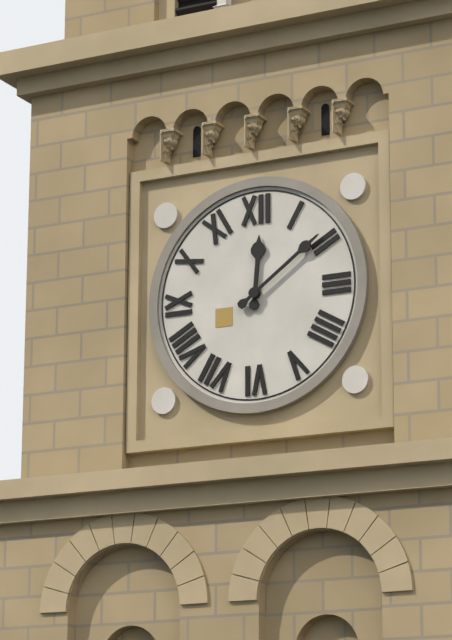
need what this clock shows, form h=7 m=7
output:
h=12 m=9
